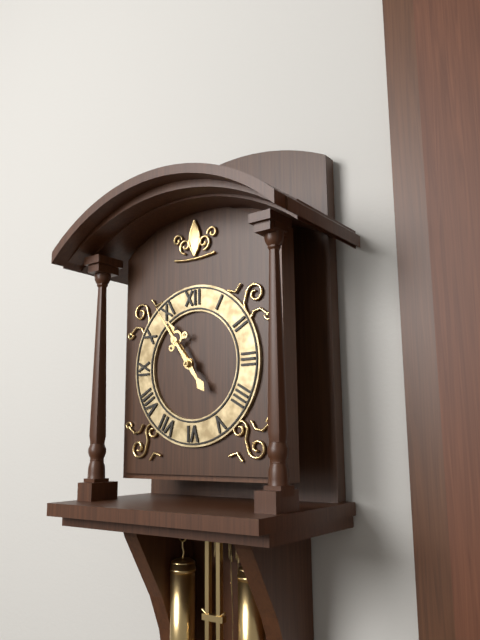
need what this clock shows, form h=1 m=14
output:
h=10 m=54
